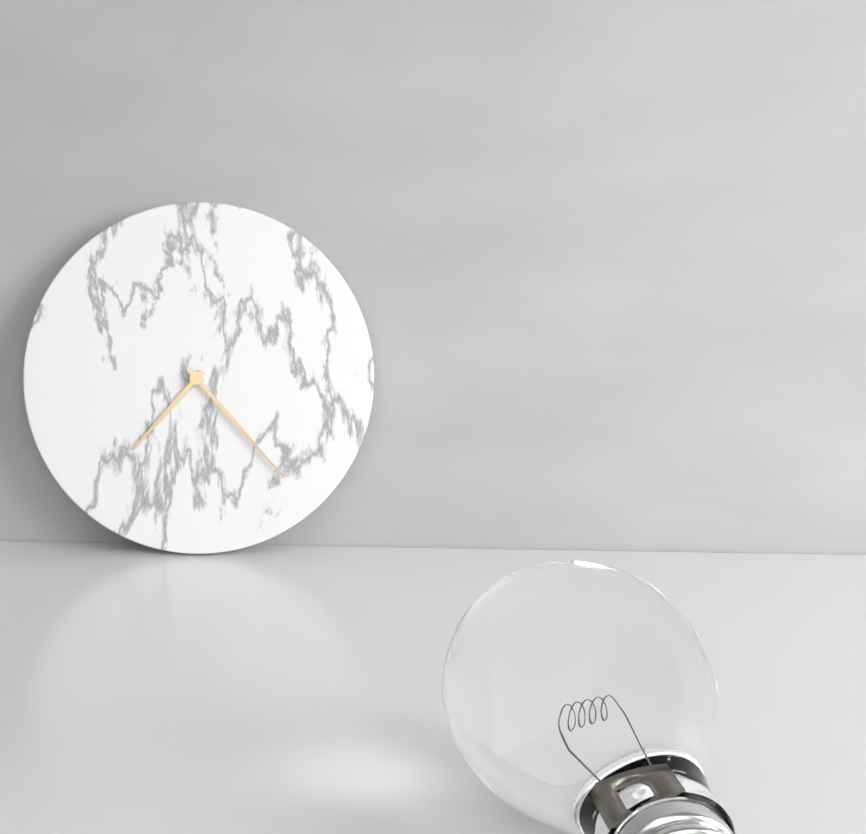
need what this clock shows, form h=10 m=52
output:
h=7 m=23
